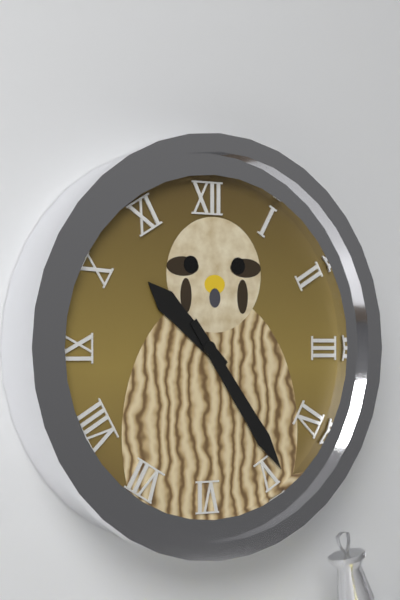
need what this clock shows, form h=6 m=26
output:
h=10 m=24
